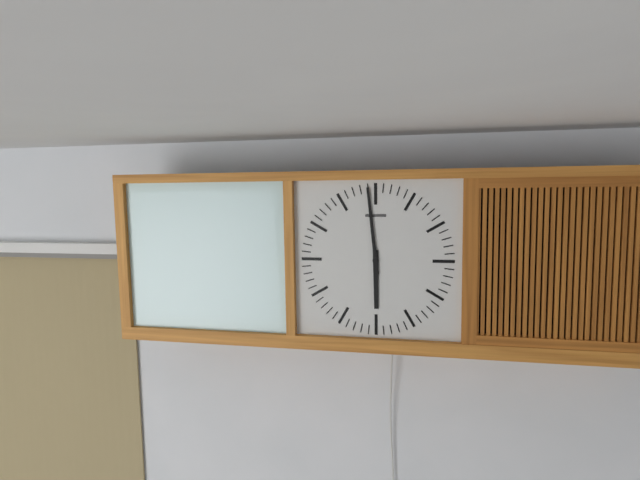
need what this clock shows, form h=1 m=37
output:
h=5 m=59
